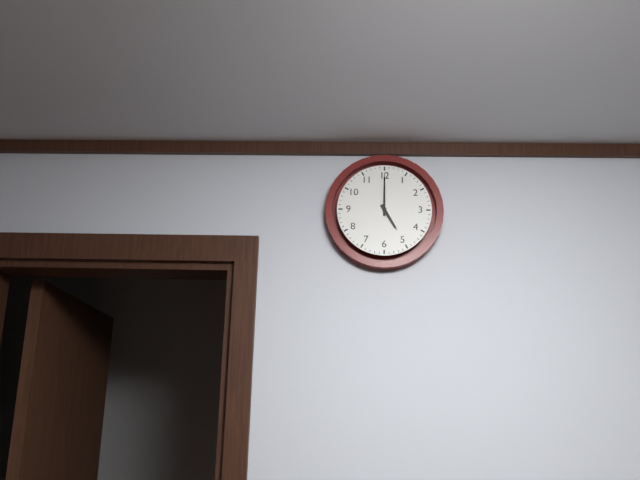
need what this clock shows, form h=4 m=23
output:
h=5 m=0
